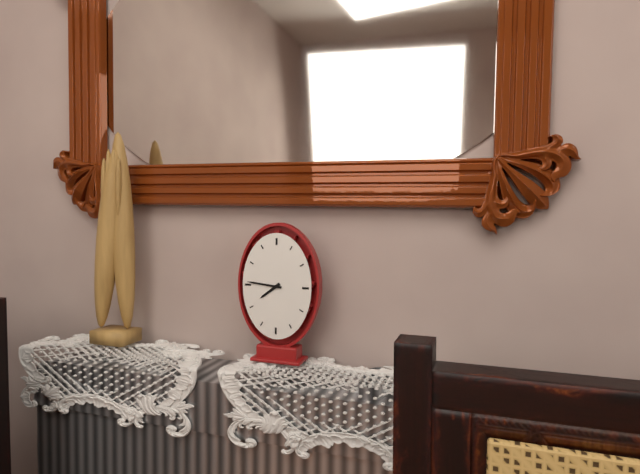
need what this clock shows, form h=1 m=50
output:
h=7 m=46
